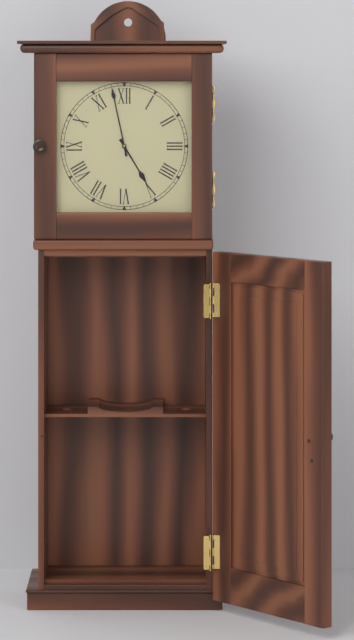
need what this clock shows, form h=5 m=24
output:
h=4 m=58
